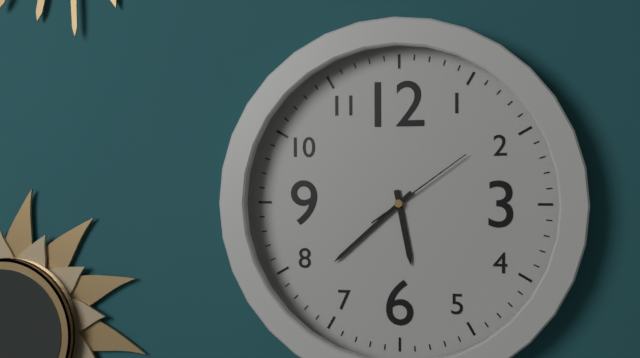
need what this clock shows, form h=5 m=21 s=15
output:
h=5 m=38 s=9
